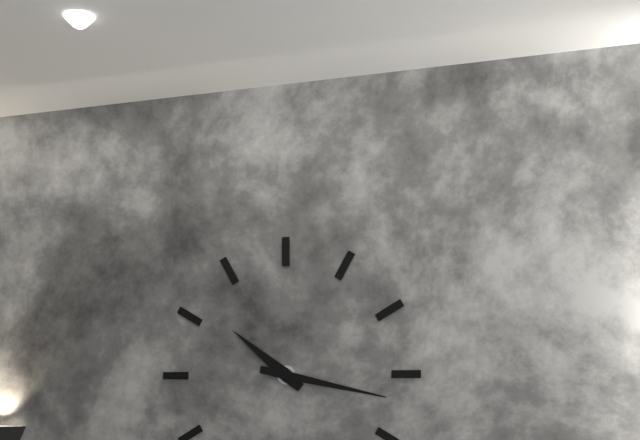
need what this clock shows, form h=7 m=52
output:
h=10 m=17
